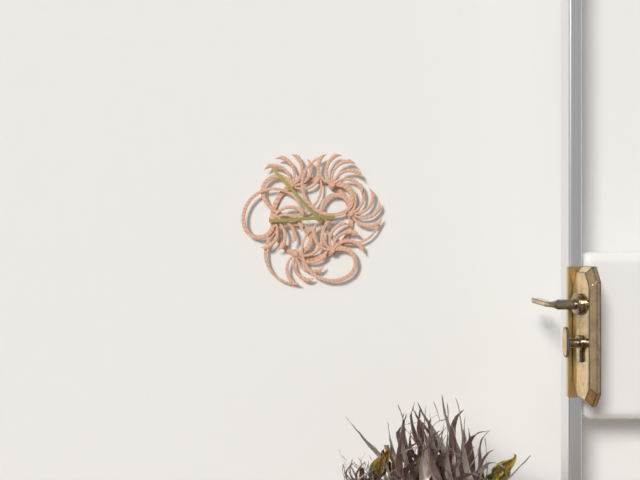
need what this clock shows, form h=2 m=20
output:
h=8 m=53
